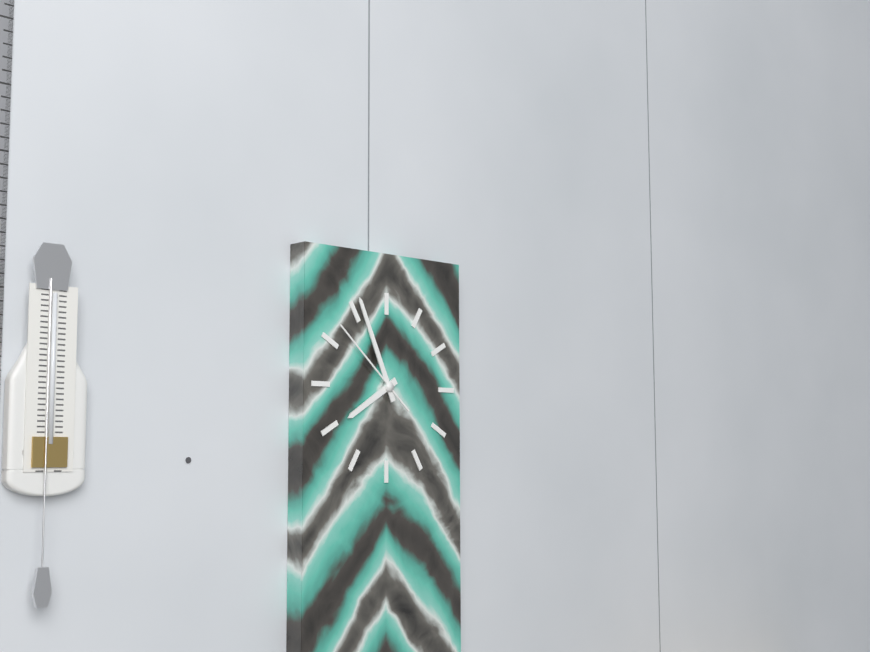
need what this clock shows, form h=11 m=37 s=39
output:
h=7 m=56 s=52
